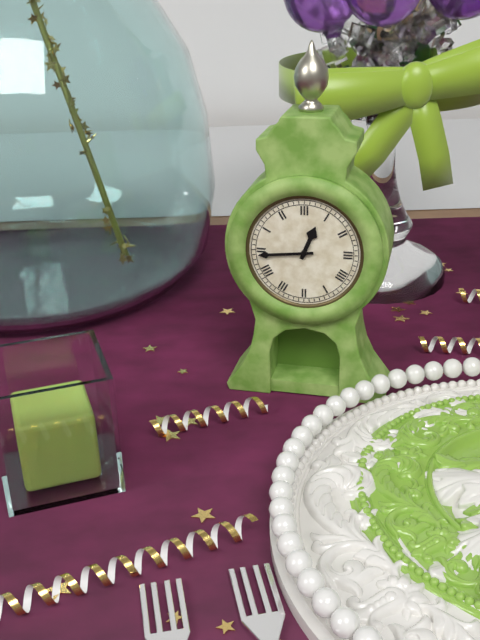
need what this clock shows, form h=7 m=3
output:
h=12 m=44
